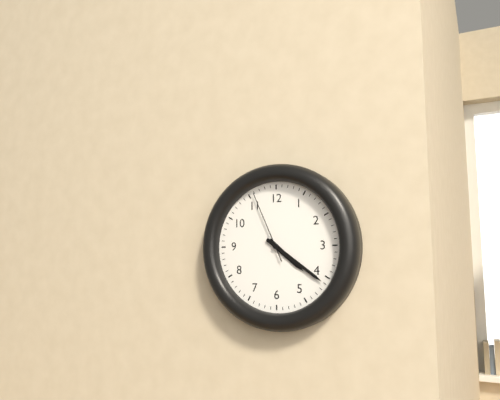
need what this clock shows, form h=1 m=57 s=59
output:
h=4 m=21 s=56
